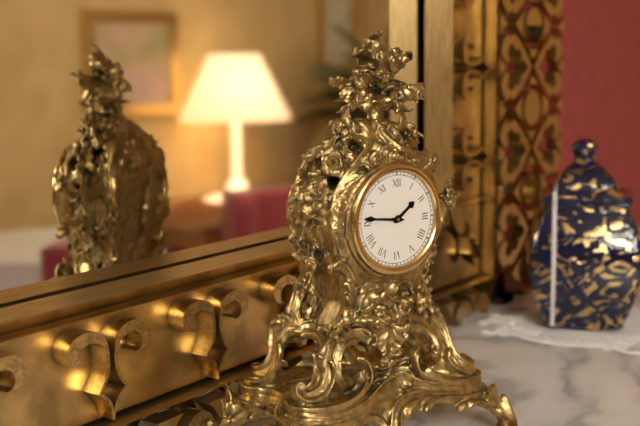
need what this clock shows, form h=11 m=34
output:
h=1 m=46
